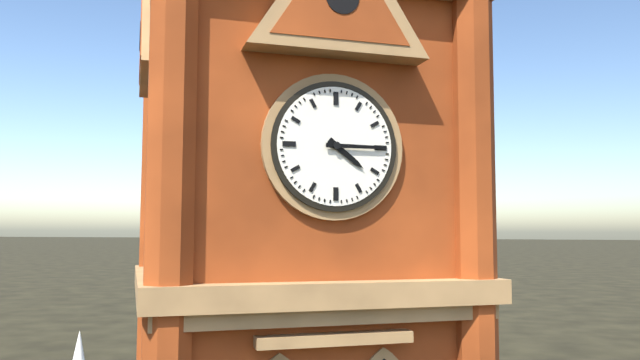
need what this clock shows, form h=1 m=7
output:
h=4 m=15
